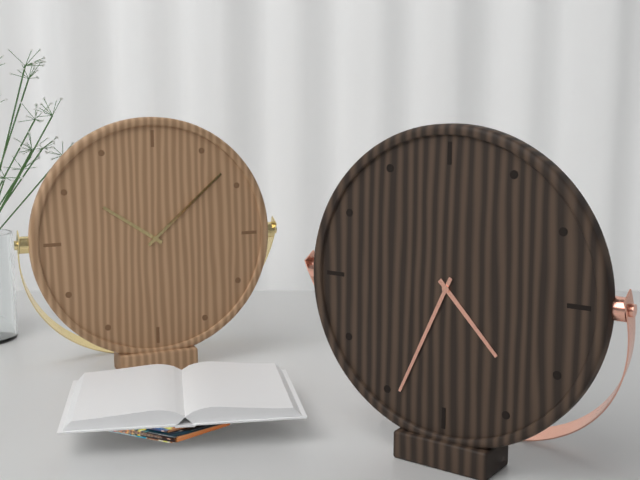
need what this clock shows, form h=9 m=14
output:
h=4 m=34
